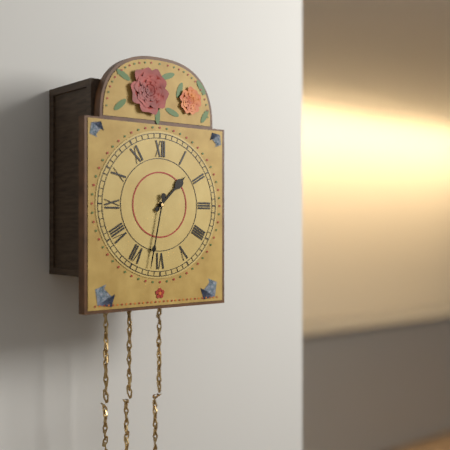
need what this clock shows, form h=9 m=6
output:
h=1 m=32
